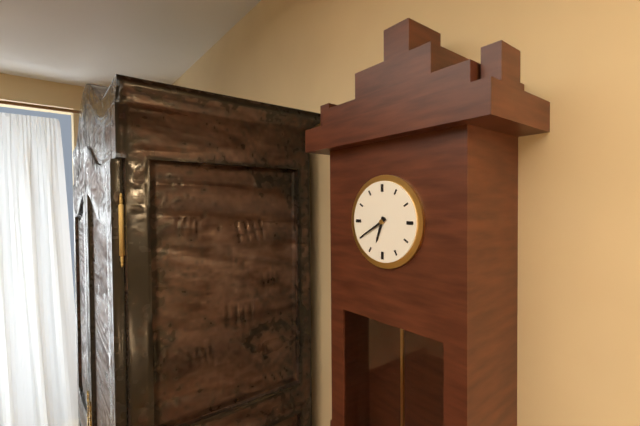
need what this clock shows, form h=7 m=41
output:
h=6 m=40
